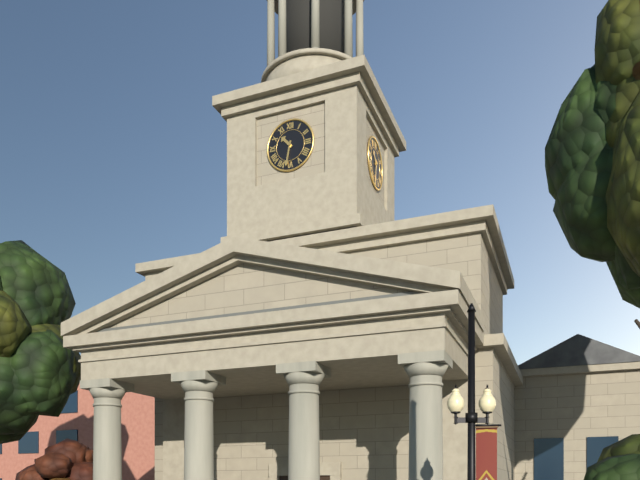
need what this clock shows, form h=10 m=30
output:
h=10 m=32
